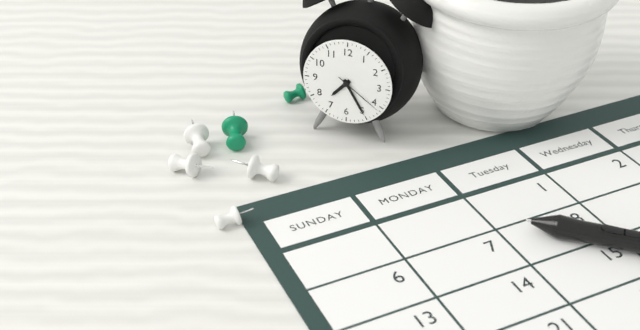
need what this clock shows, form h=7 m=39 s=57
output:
h=7 m=25 s=21
